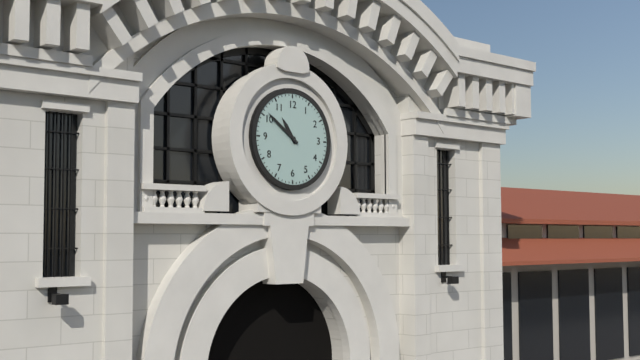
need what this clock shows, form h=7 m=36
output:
h=10 m=51
